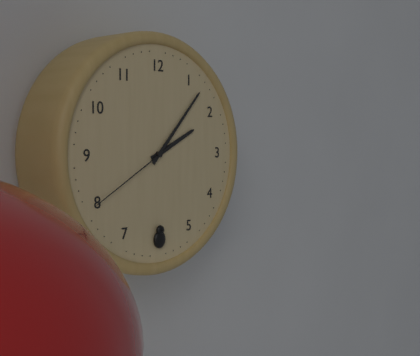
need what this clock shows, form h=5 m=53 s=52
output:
h=2 m=7 s=40
